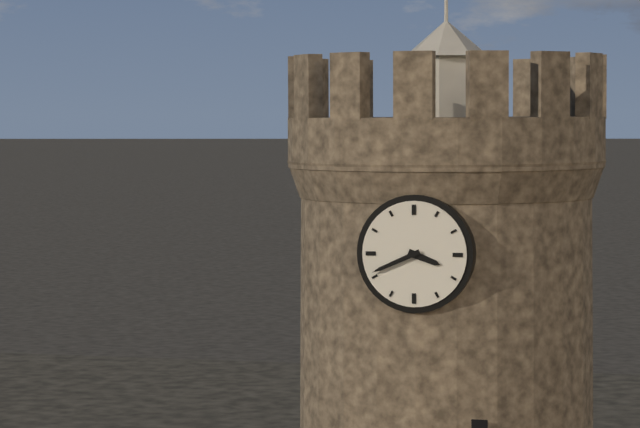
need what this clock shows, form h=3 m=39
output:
h=3 m=41
